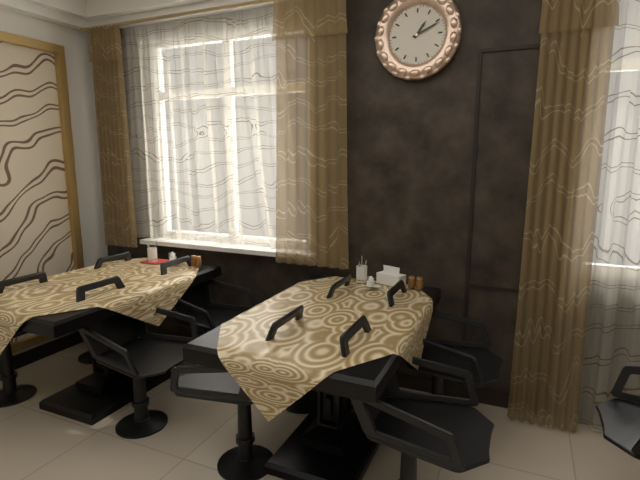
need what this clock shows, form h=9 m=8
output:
h=1 m=11
